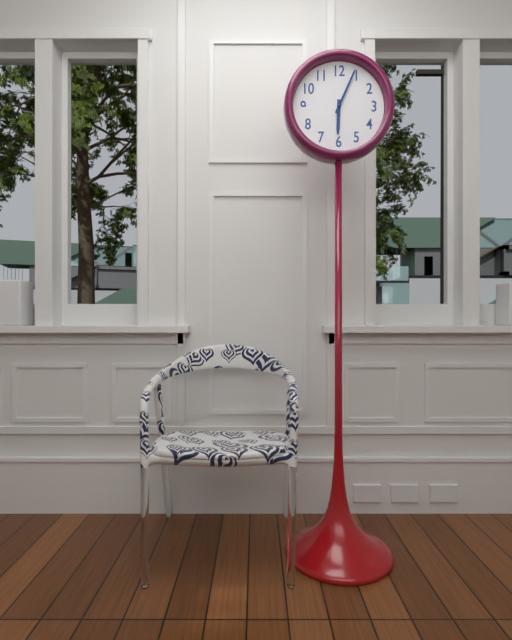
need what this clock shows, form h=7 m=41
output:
h=6 m=4
